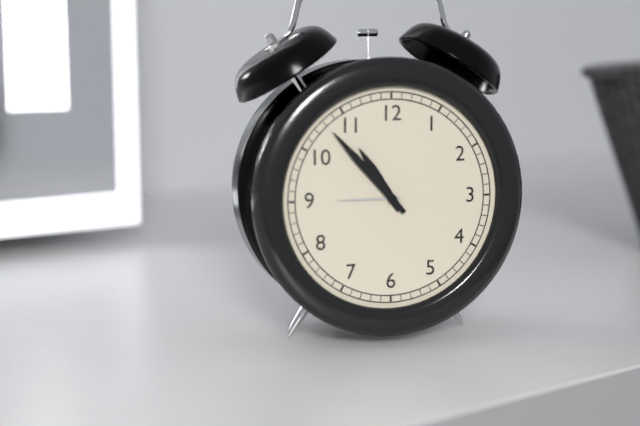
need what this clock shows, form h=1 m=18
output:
h=10 m=53
